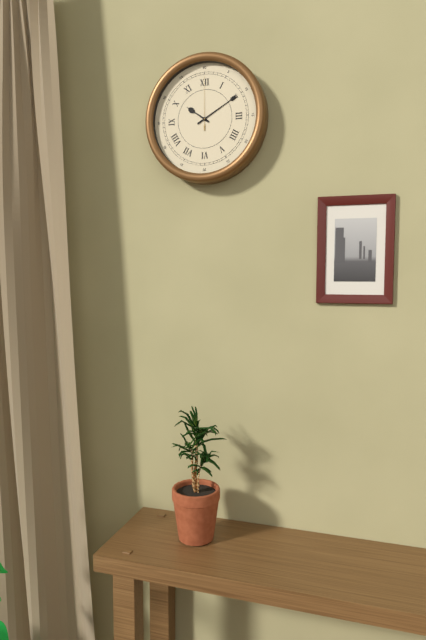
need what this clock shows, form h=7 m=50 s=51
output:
h=10 m=10 s=0
